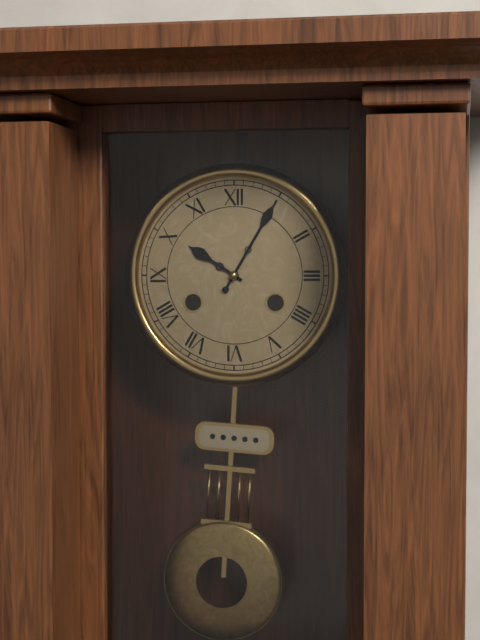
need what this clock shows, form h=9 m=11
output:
h=10 m=5
